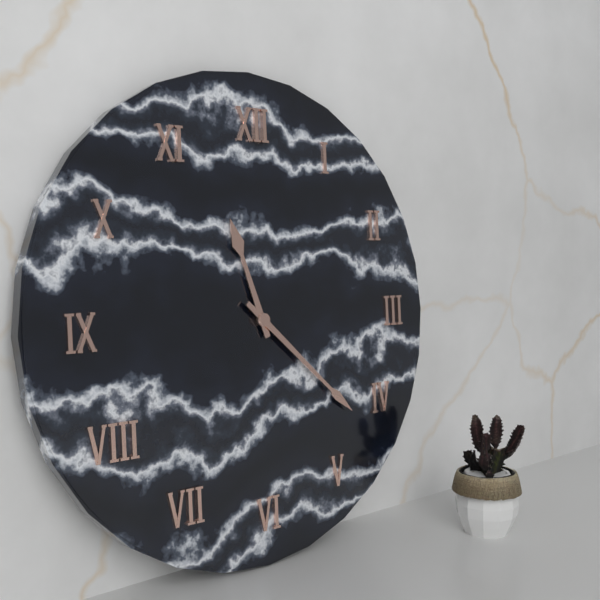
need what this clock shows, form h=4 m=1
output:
h=11 m=22
